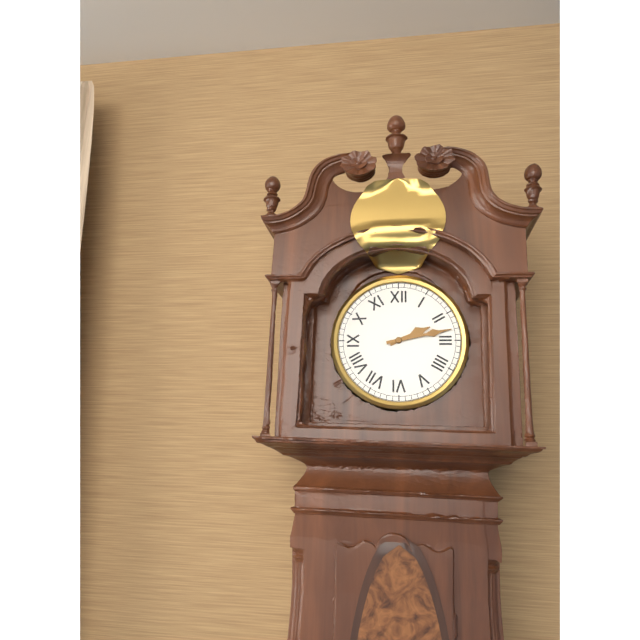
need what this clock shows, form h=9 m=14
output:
h=2 m=13
